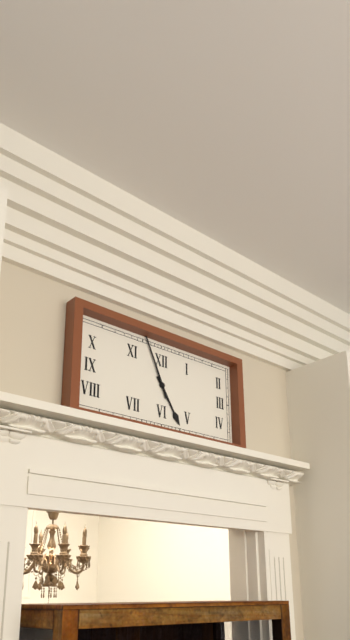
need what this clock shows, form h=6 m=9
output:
h=4 m=56
